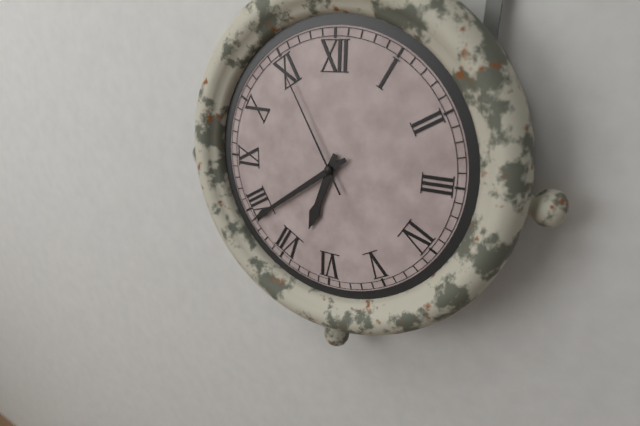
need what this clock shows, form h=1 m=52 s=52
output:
h=6 m=39 s=55
